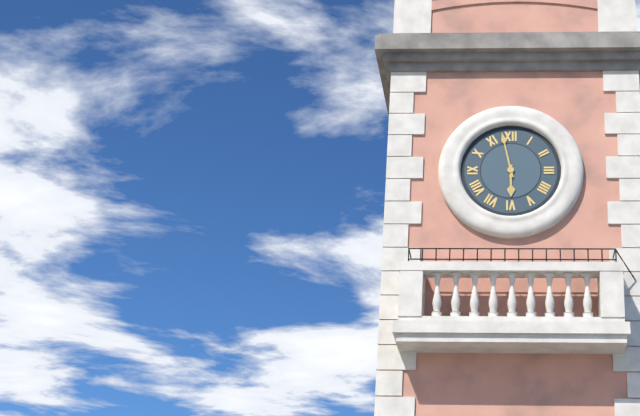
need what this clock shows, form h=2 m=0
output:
h=5 m=58
